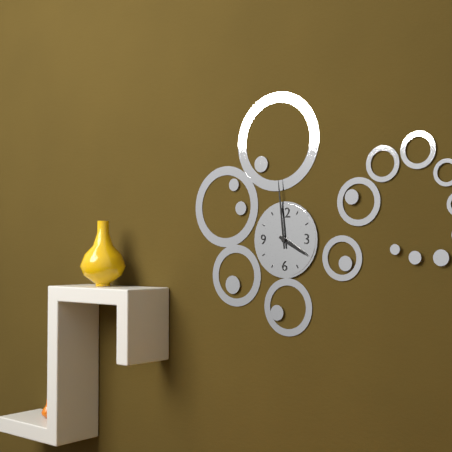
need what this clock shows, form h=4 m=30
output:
h=3 m=59
